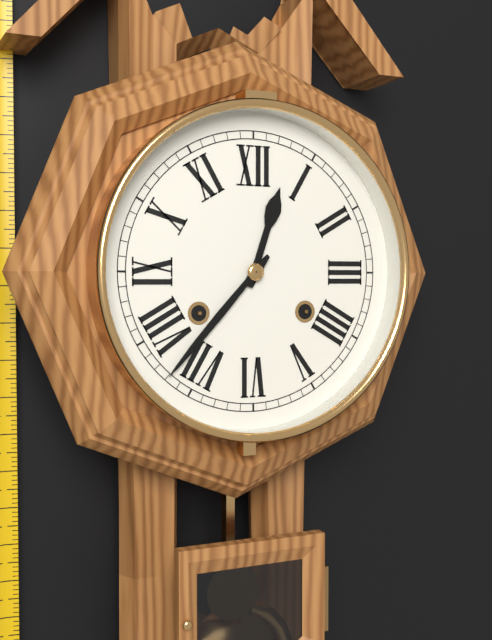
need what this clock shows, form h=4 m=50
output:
h=12 m=37
